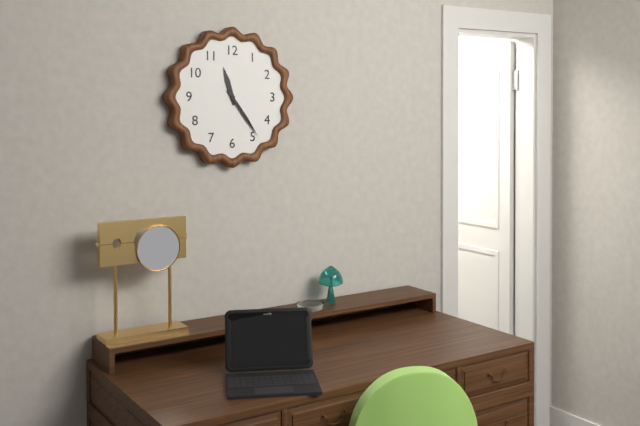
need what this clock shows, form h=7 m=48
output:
h=11 m=24
